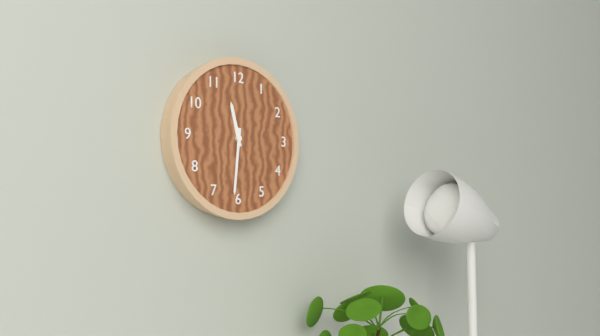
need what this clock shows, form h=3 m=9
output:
h=11 m=31
